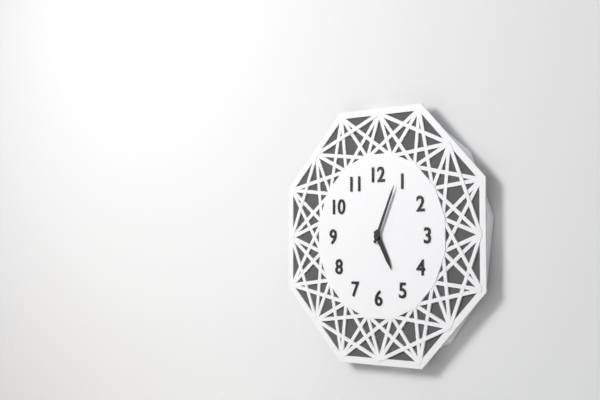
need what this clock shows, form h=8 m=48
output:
h=5 m=4
